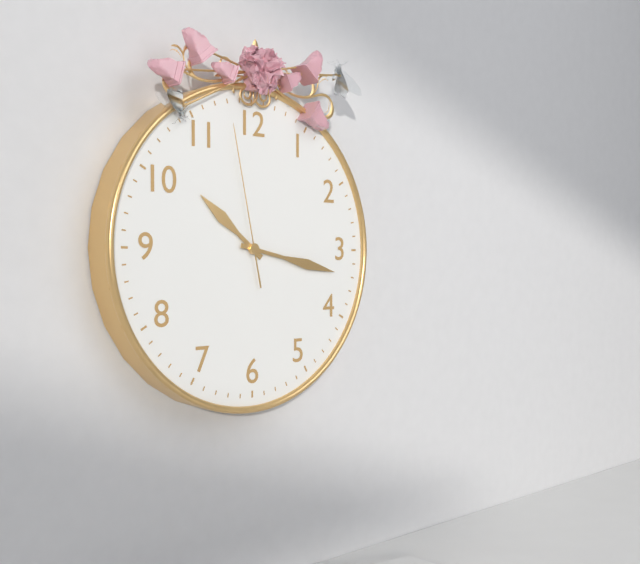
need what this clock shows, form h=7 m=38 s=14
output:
h=10 m=17 s=58
